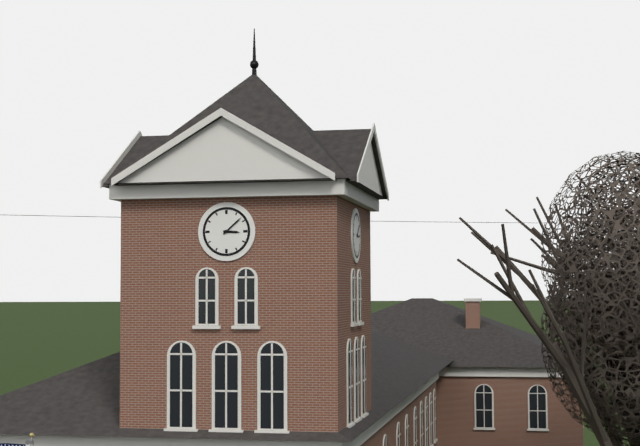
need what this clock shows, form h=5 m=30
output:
h=3 m=8
